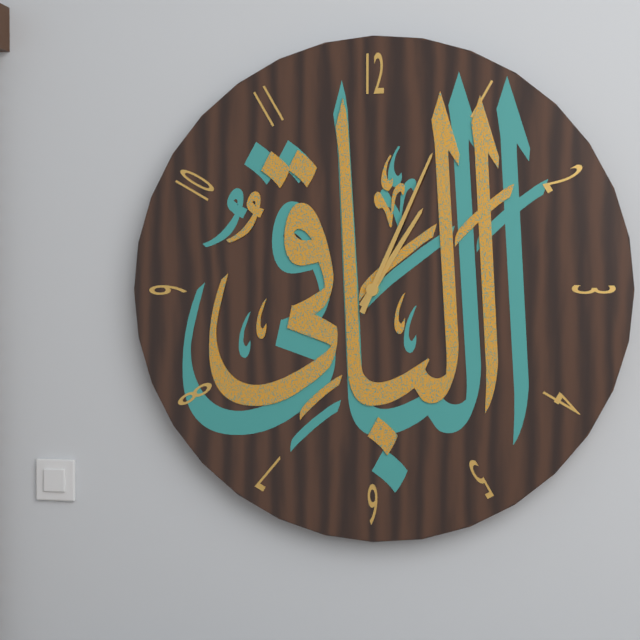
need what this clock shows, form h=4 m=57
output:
h=1 m=4
